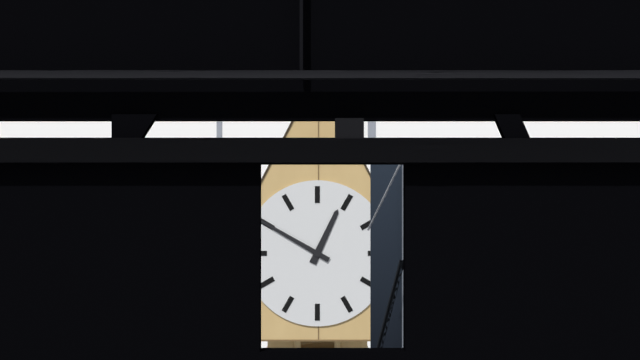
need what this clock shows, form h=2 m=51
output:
h=12 m=50
